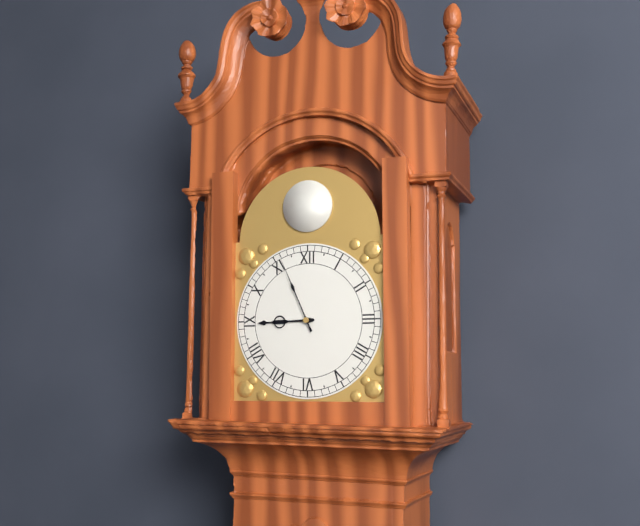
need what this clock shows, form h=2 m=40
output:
h=8 m=56
